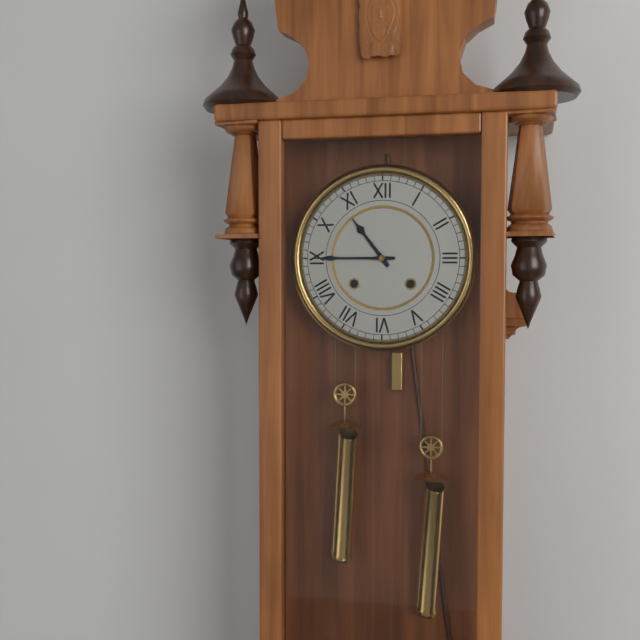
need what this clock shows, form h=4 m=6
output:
h=10 m=45
